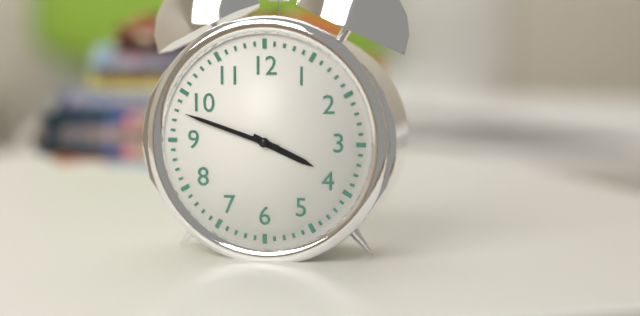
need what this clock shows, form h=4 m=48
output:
h=3 m=48
